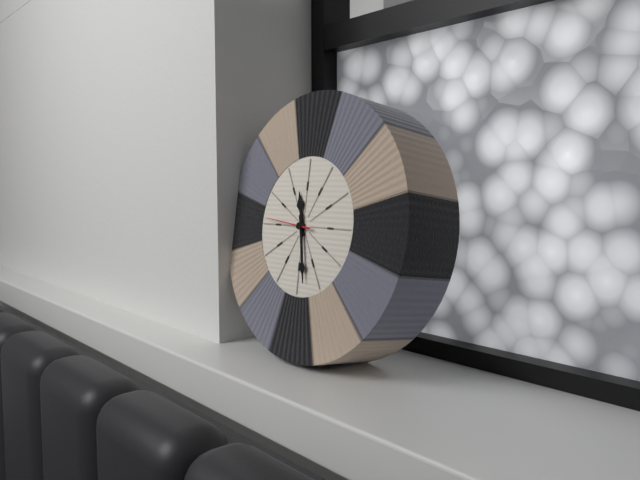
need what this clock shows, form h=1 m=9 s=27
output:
h=11 m=28 s=46
